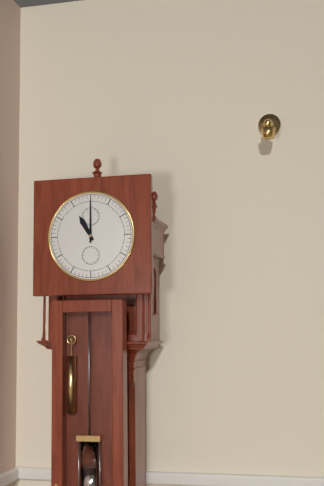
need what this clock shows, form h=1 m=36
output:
h=11 m=0
